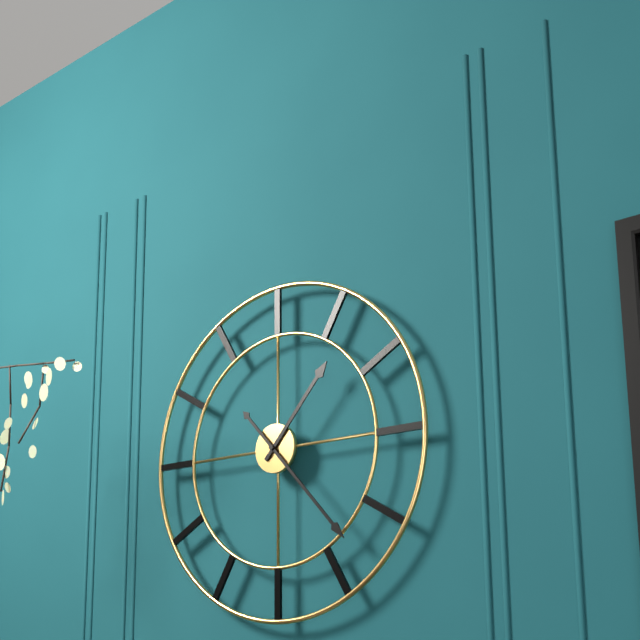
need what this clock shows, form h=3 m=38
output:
h=1 m=23
